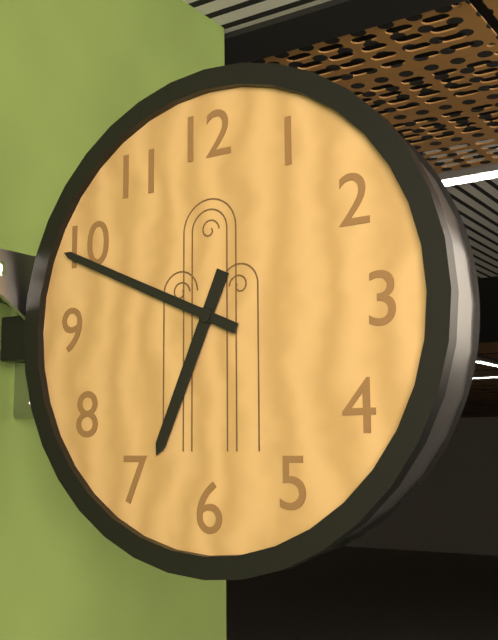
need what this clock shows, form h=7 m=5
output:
h=6 m=49
